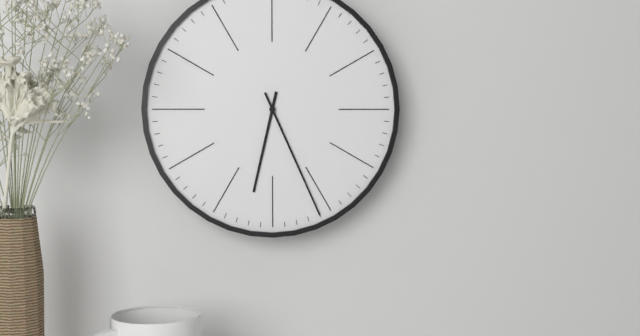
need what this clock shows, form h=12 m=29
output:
h=6 m=26
